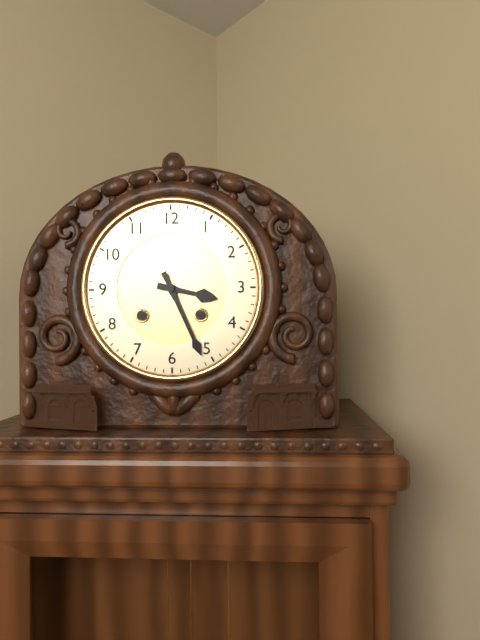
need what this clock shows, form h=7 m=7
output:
h=3 m=26
